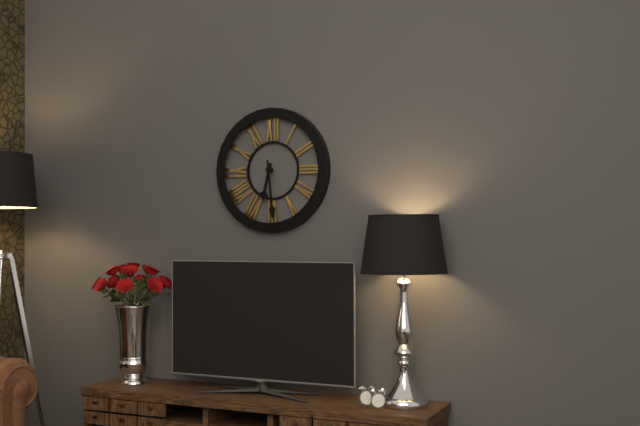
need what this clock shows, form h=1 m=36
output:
h=6 m=29
